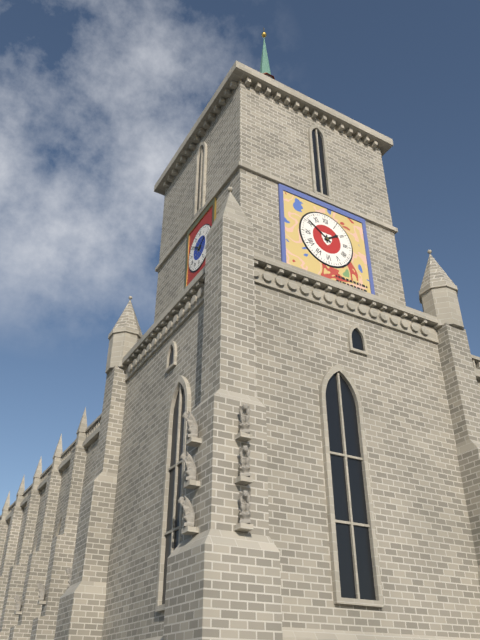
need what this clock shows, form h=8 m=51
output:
h=1 m=51
